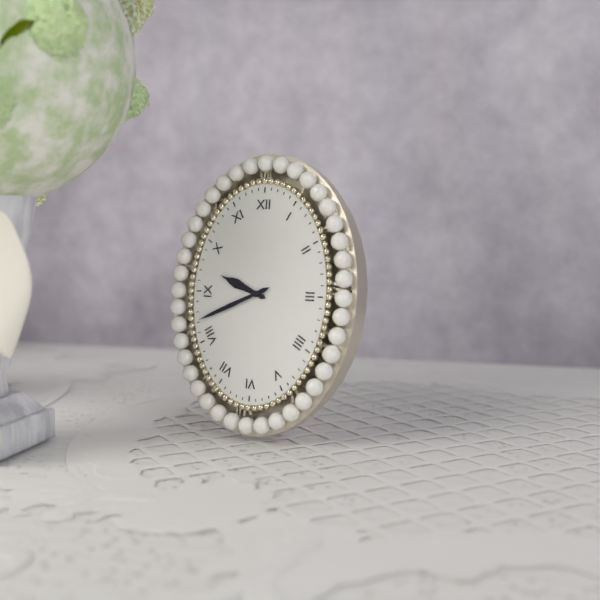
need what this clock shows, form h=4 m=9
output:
h=9 m=41
